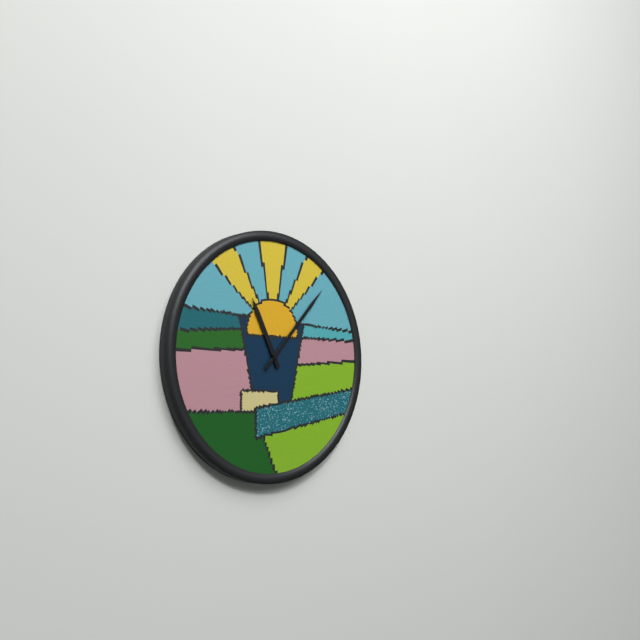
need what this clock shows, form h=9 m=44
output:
h=11 m=7
